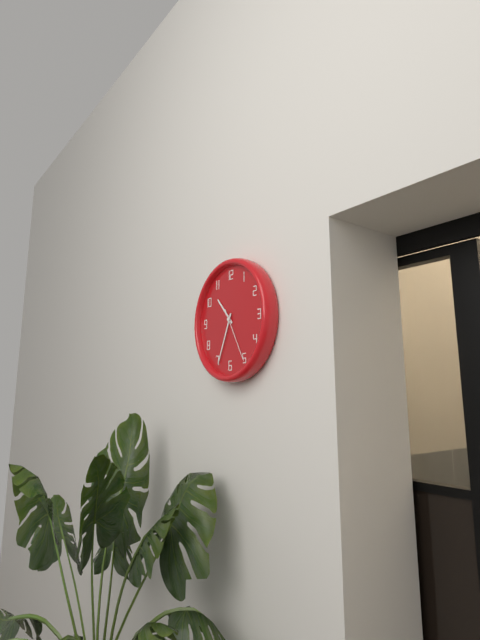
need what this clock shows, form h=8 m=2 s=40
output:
h=10 m=34 s=25
